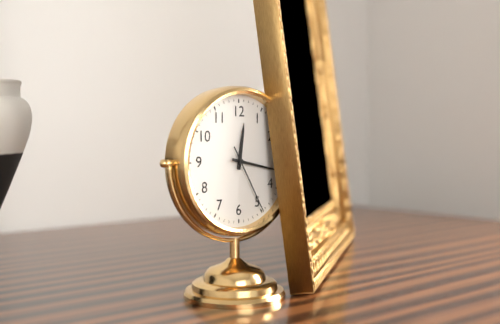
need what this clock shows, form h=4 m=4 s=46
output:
h=12 m=17 s=25
